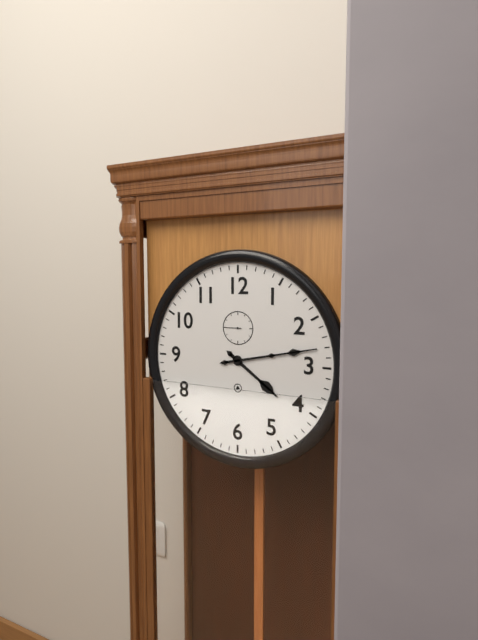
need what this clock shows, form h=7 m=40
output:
h=4 m=13
